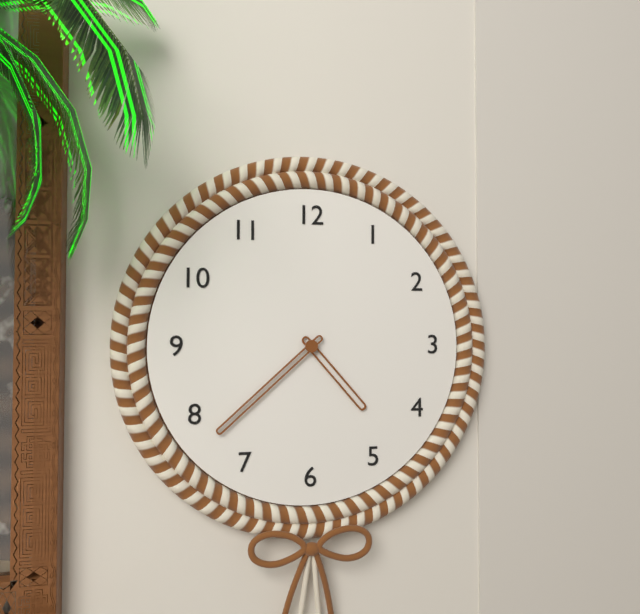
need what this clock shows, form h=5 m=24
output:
h=4 m=38
